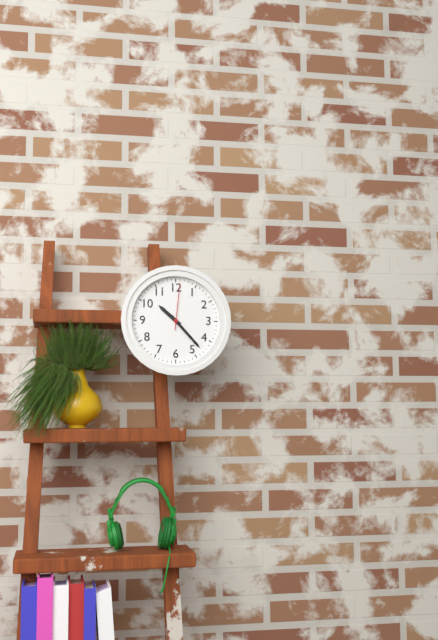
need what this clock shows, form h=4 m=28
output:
h=10 m=23
